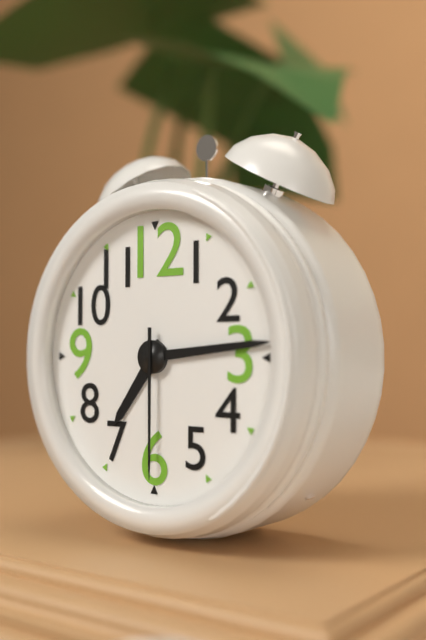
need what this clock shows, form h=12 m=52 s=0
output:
h=7 m=14 s=30
